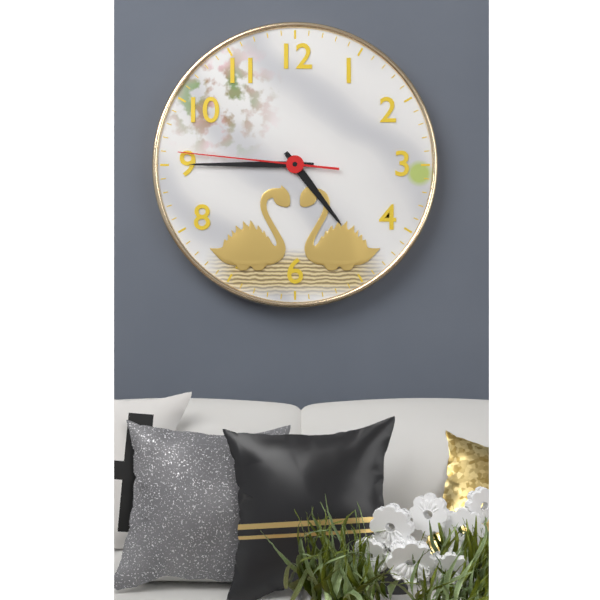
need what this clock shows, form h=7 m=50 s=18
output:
h=4 m=45 s=46
